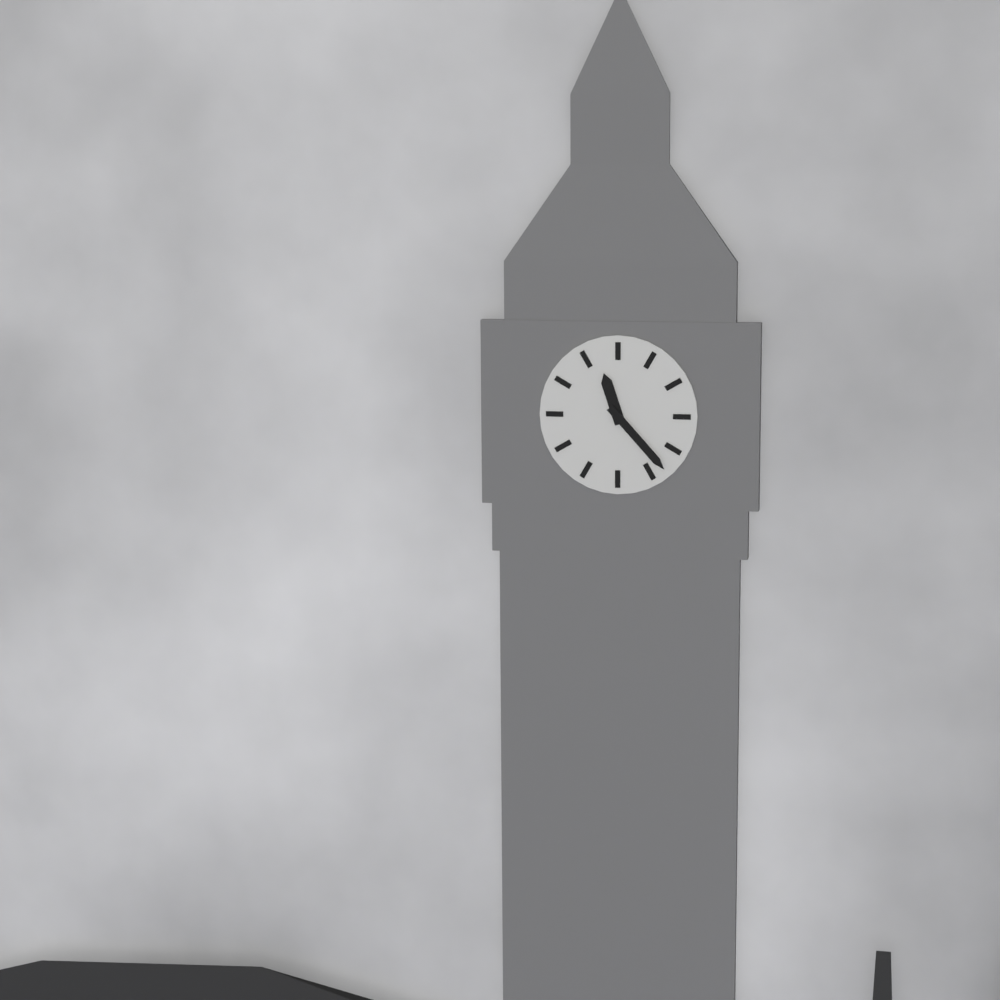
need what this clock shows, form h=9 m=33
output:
h=11 m=23
